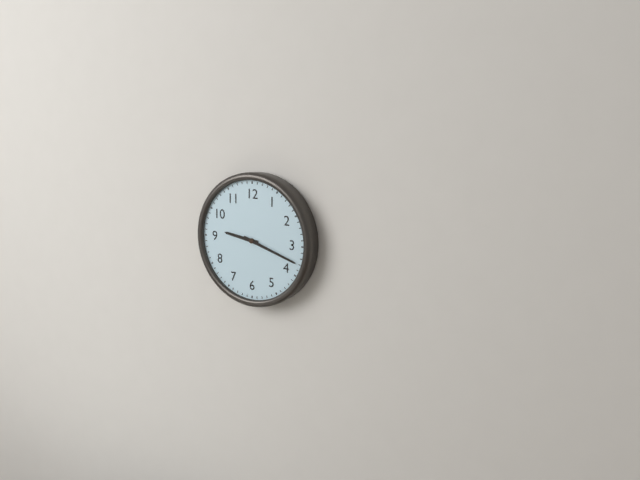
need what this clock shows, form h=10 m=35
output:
h=9 m=18
